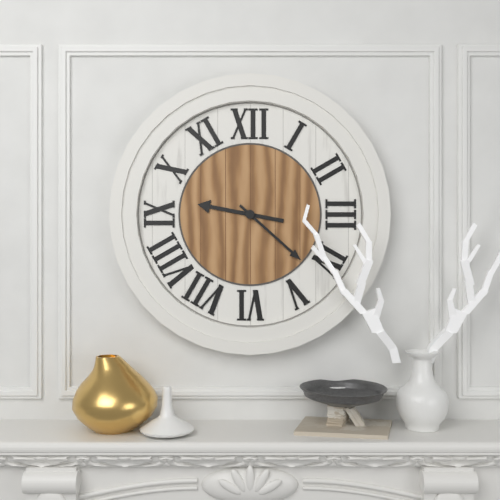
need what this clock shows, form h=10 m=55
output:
h=9 m=22
